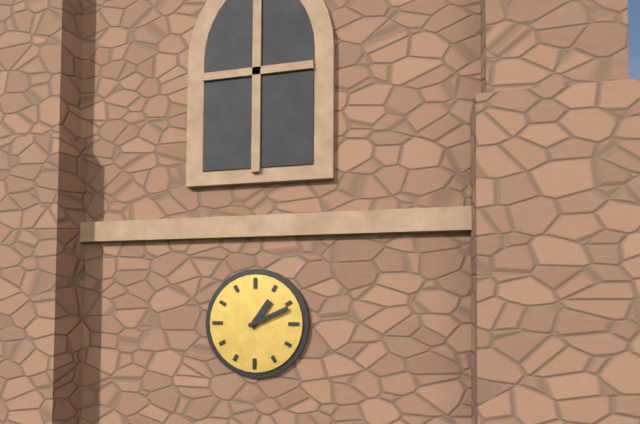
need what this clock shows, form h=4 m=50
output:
h=1 m=11
